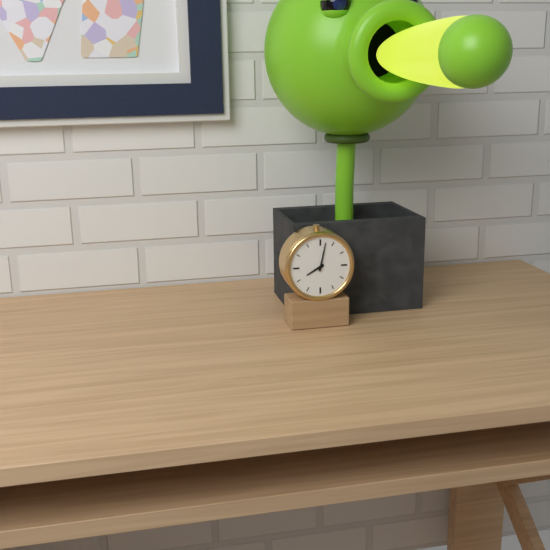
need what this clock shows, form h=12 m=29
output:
h=8 m=2
